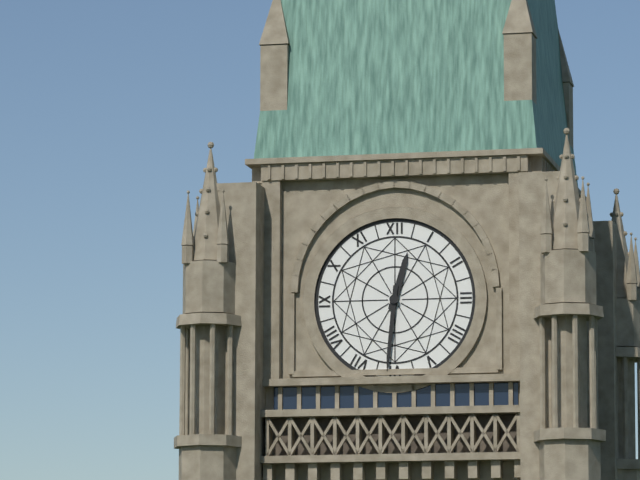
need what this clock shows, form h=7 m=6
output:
h=12 m=31
